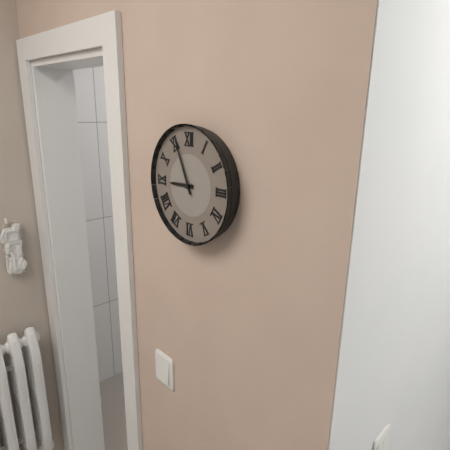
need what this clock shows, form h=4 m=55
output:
h=8 m=56
